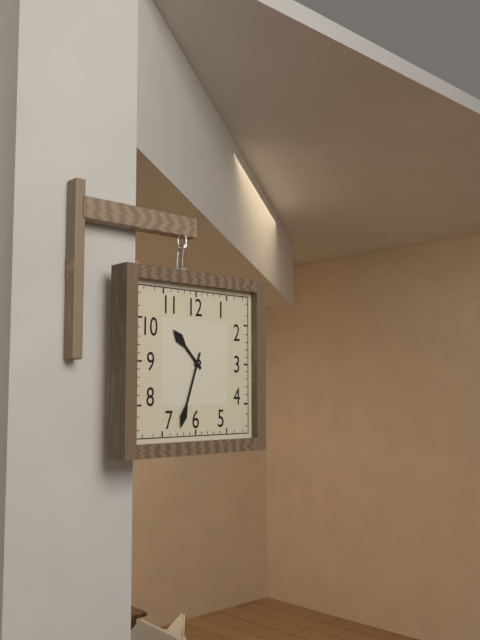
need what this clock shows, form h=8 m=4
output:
h=10 m=33
